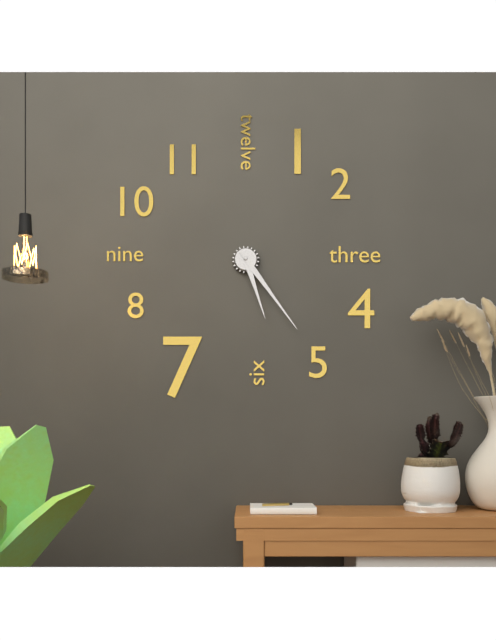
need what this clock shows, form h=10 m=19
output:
h=5 m=24
